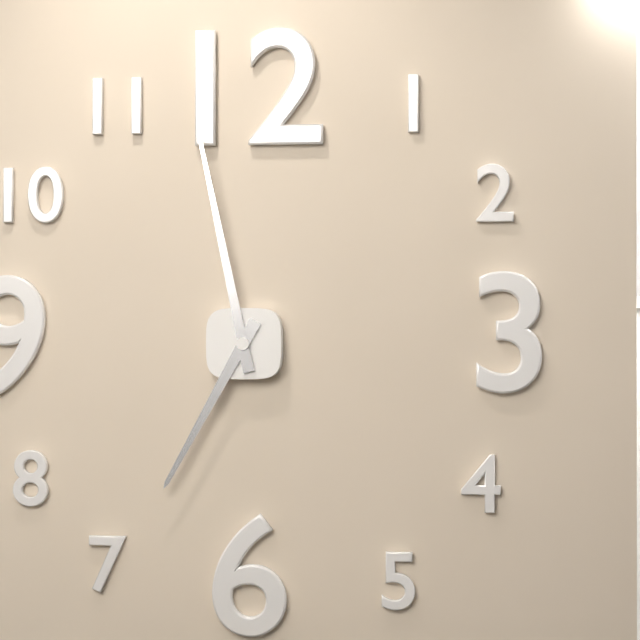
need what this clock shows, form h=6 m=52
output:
h=6 m=58
